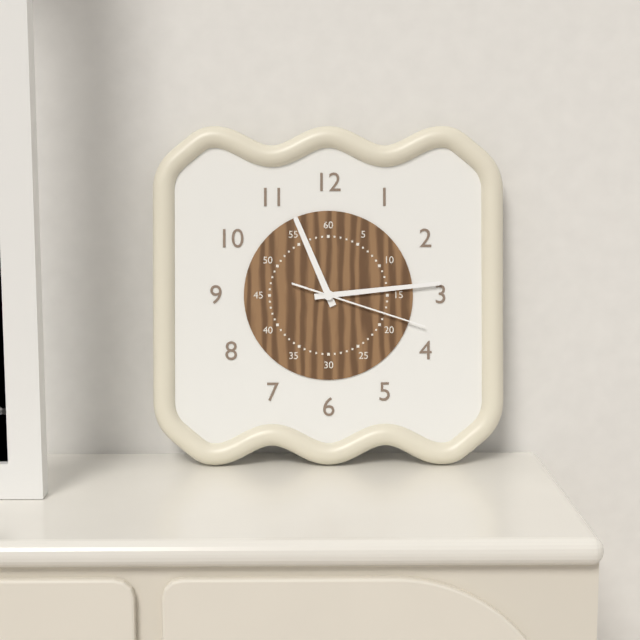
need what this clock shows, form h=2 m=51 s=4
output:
h=11 m=14 s=18
